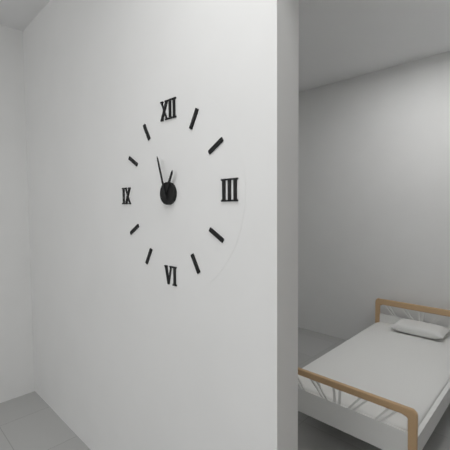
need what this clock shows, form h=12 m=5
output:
h=12 m=57
